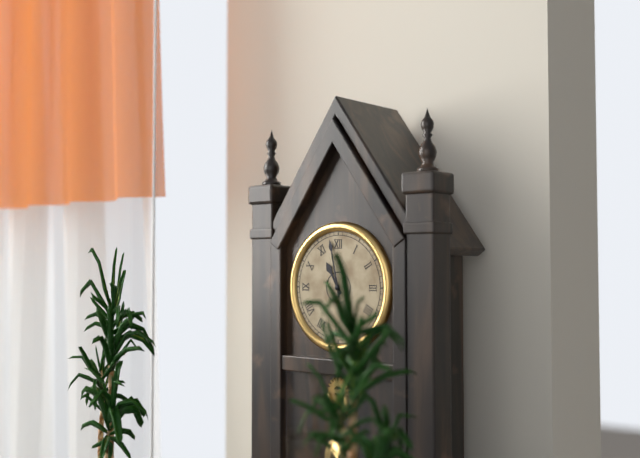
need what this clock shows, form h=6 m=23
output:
h=10 m=58
